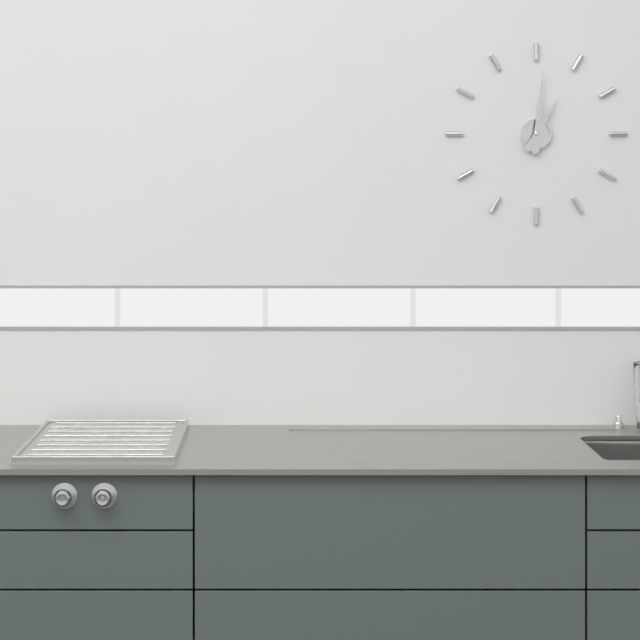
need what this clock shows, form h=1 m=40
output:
h=1 m=1
